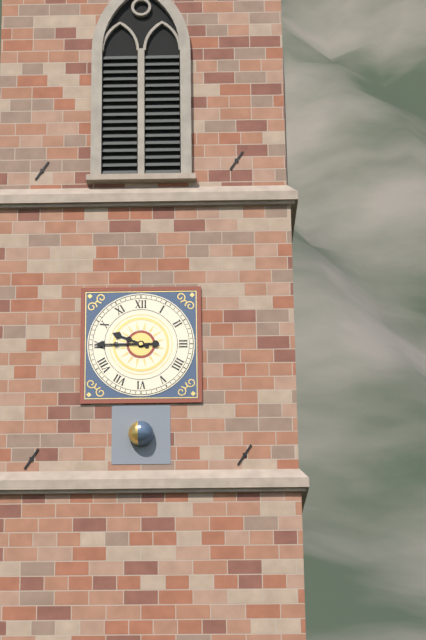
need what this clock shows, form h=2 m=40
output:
h=9 m=45
